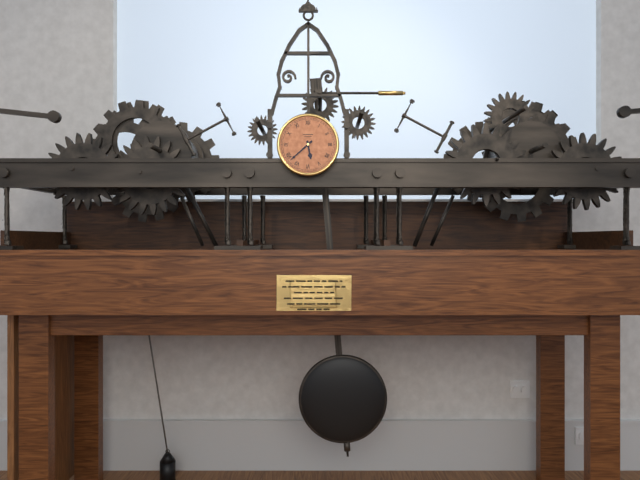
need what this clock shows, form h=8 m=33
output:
h=5 m=38
